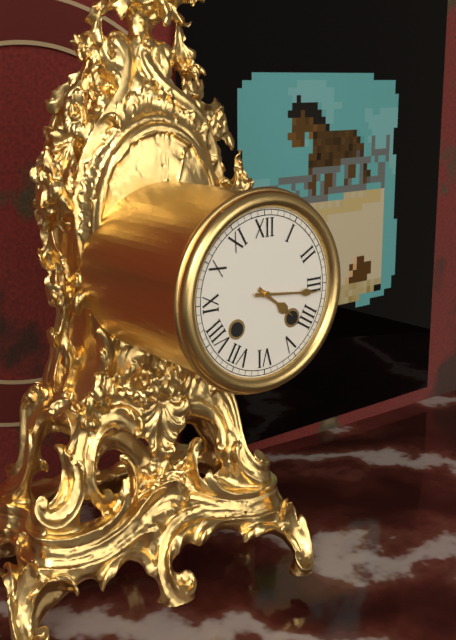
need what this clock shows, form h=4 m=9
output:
h=4 m=16
